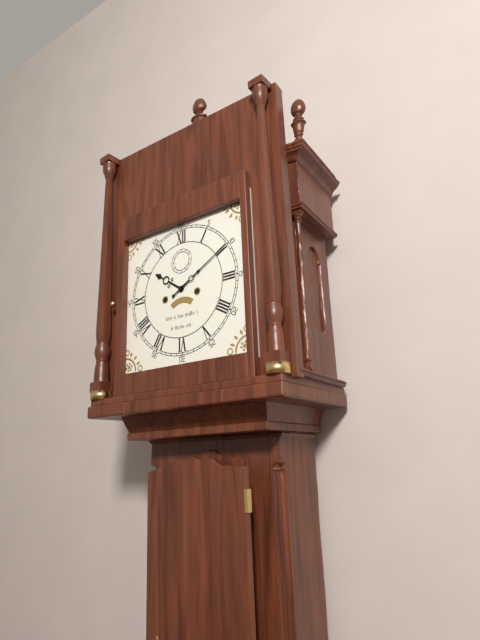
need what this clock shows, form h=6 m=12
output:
h=10 m=10
